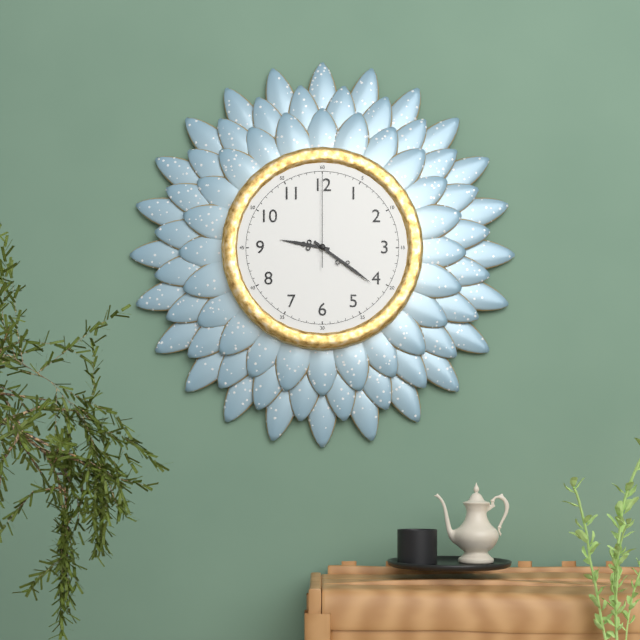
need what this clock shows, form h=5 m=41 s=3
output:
h=9 m=21 s=0
